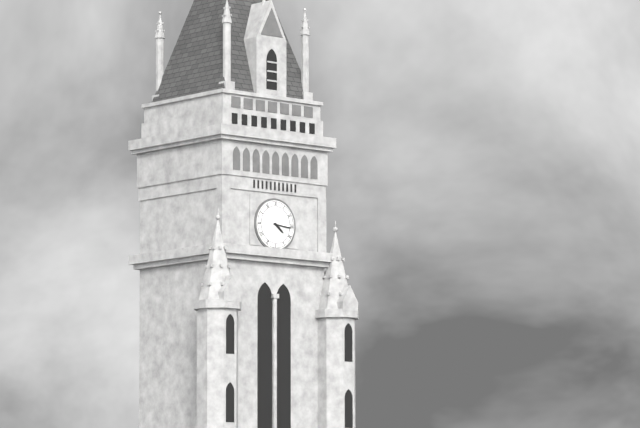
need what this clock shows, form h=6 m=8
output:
h=4 m=16
